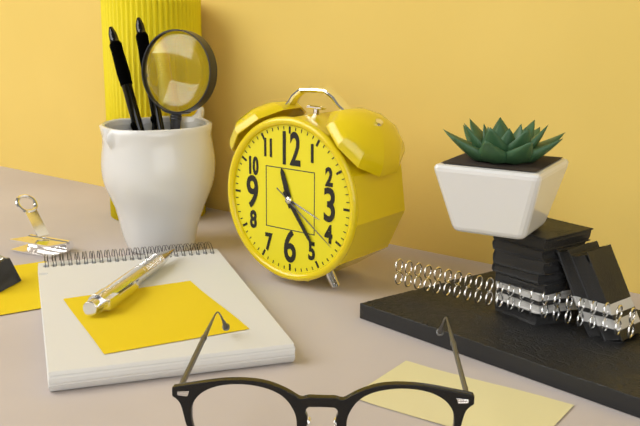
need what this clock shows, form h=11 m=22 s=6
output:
h=11 m=24 s=21
